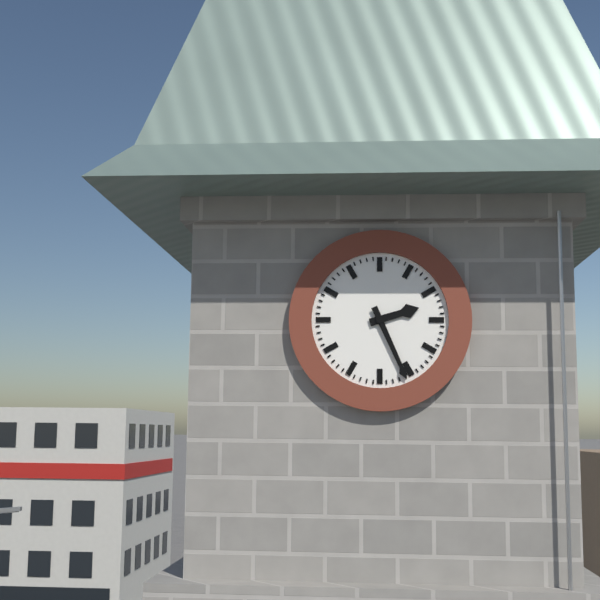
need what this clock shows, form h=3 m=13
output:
h=2 m=26
